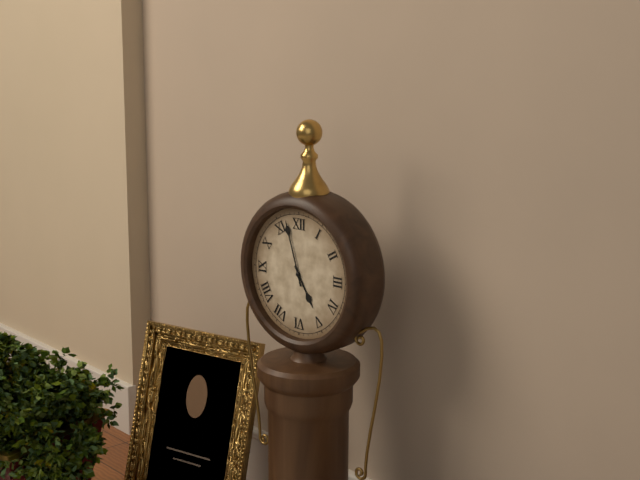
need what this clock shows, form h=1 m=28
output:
h=4 m=57
